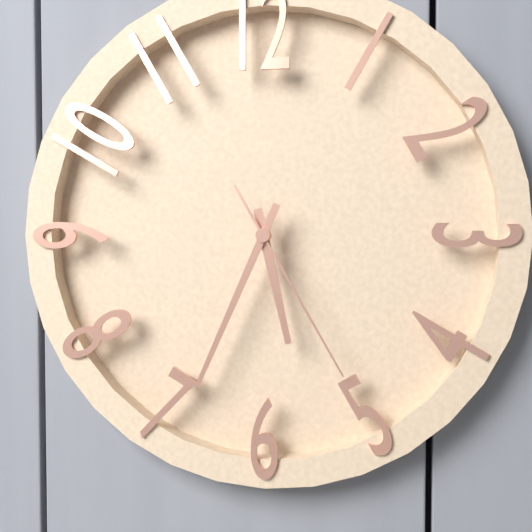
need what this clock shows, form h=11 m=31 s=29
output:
h=5 m=34 s=25
